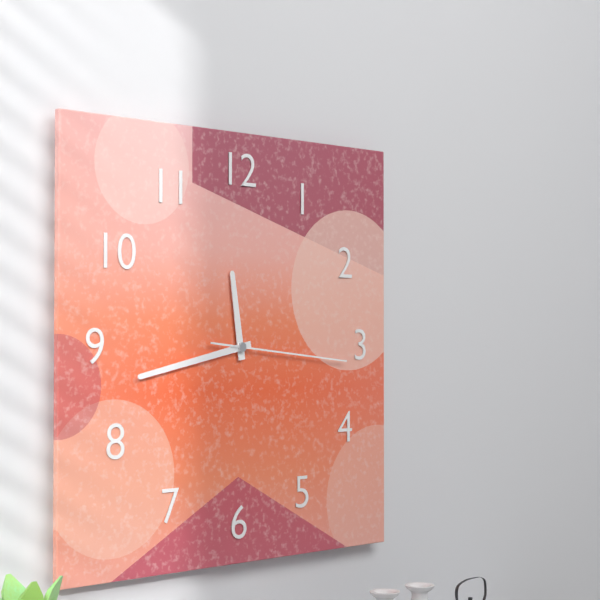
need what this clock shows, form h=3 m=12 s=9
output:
h=11 m=43 s=16
